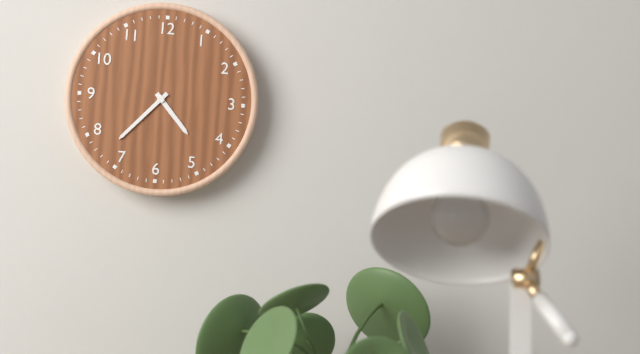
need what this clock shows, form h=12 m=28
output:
h=4 m=37
